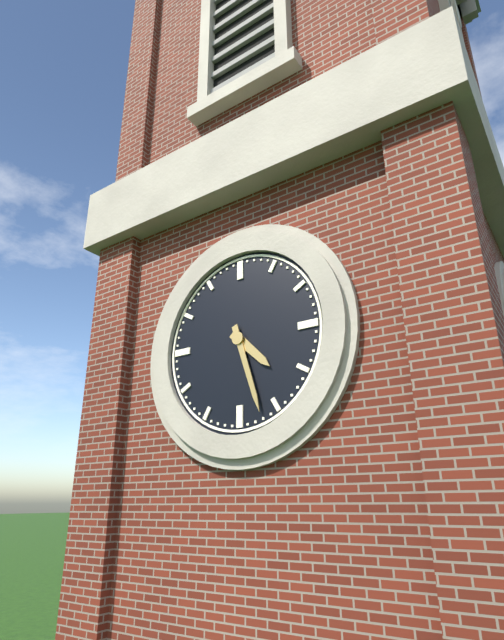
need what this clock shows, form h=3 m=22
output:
h=4 m=27
